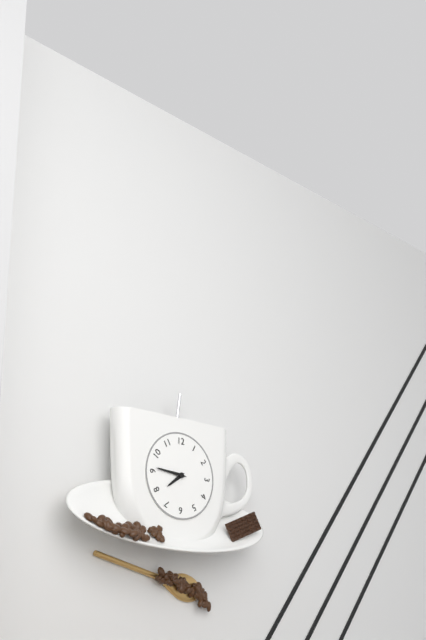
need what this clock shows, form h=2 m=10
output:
h=7 m=46
